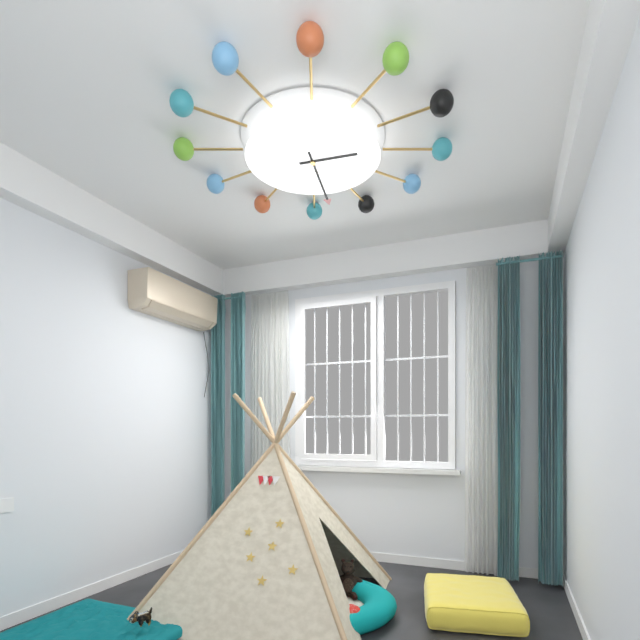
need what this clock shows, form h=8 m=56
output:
h=2 m=28
